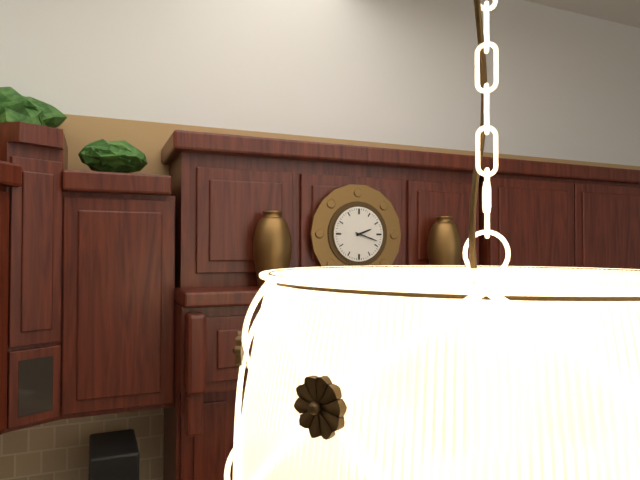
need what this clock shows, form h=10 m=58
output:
h=2 m=18
